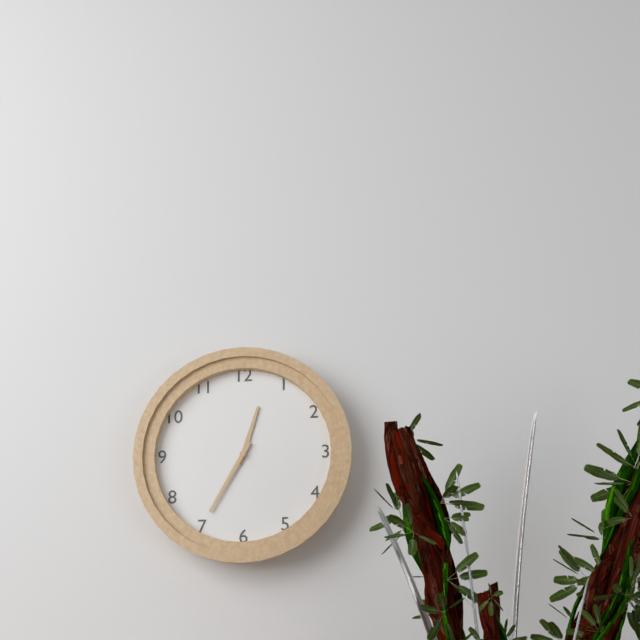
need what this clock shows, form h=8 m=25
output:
h=12 m=35
